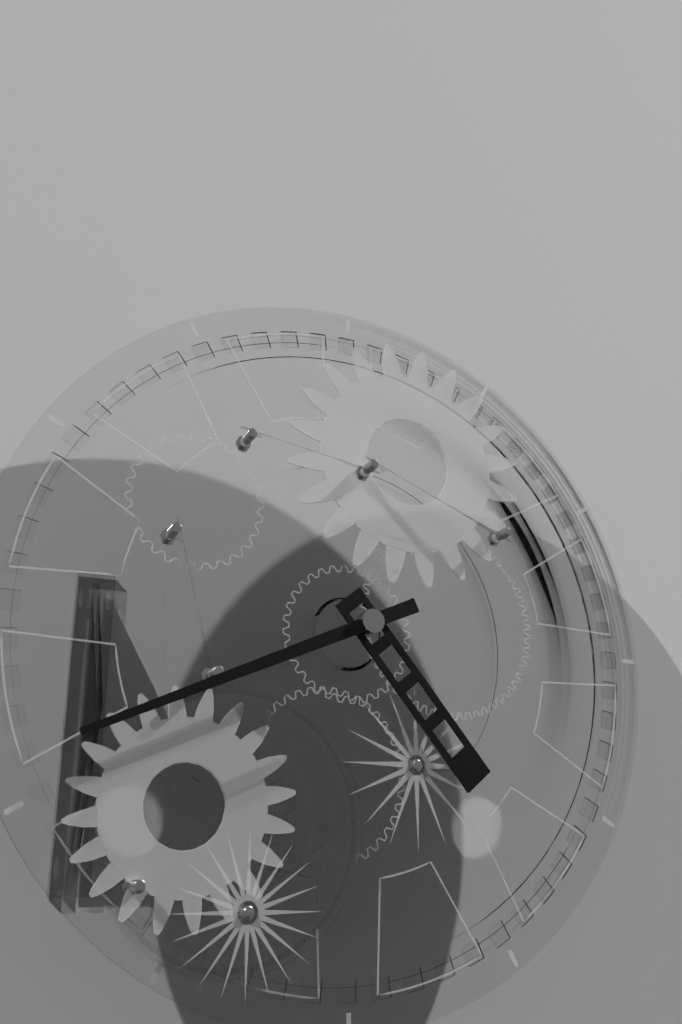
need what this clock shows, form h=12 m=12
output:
h=4 m=41
